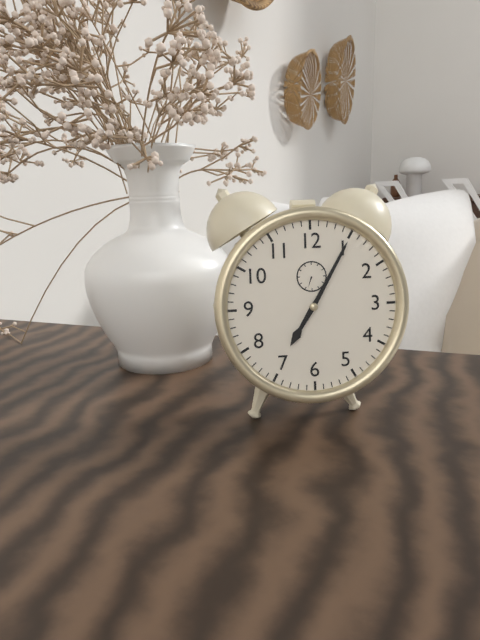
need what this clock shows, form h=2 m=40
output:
h=7 m=5
